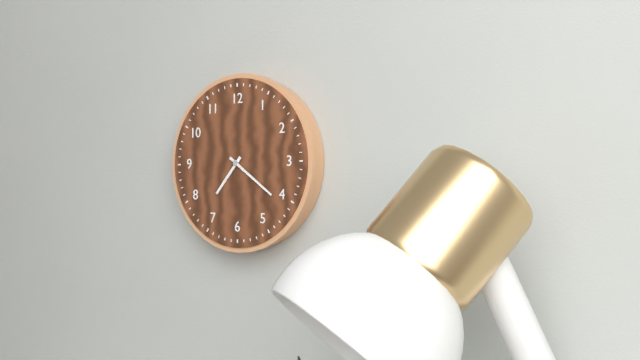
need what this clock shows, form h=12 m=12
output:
h=7 m=21
